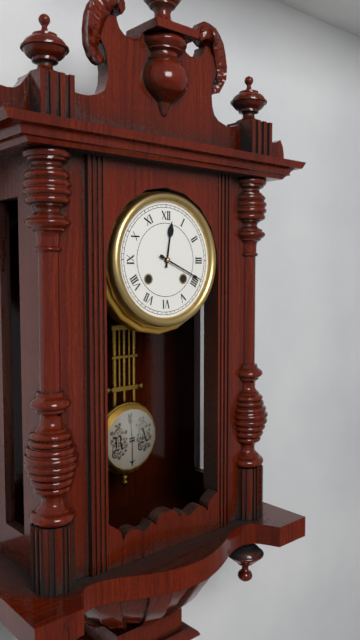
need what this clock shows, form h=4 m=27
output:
h=12 m=19
